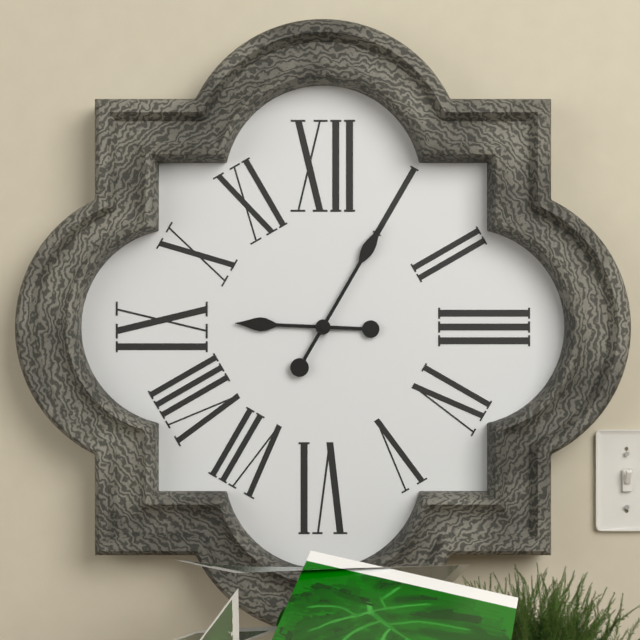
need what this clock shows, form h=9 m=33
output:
h=9 m=5
